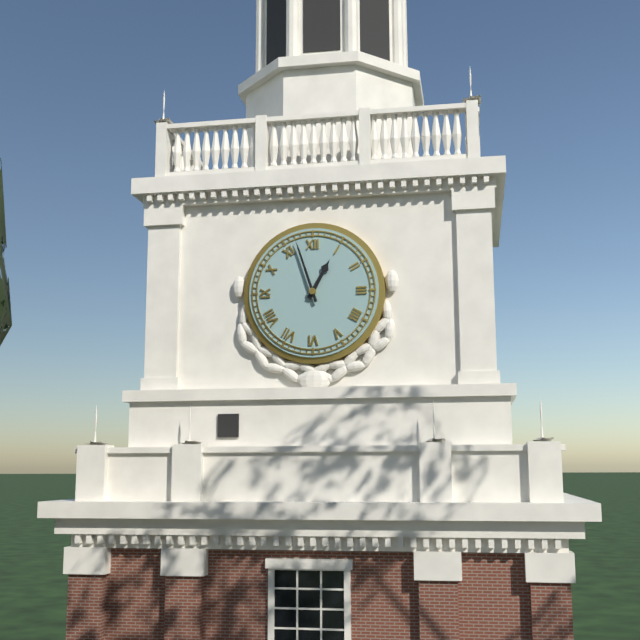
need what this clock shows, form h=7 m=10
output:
h=12 m=57
